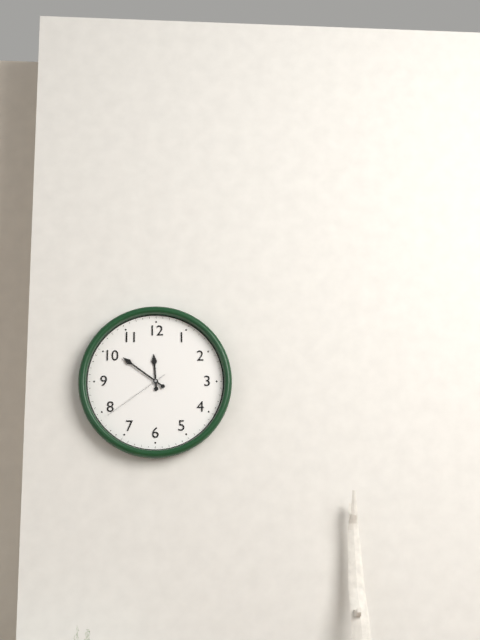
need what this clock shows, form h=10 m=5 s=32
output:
h=11 m=51 s=39
